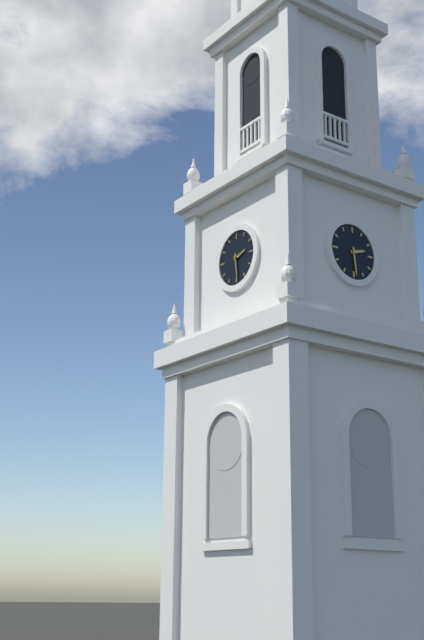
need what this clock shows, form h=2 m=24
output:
h=2 m=29
